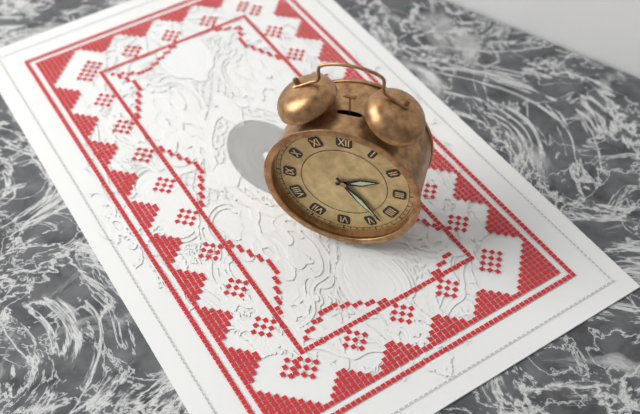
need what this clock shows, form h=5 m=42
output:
h=2 m=23
